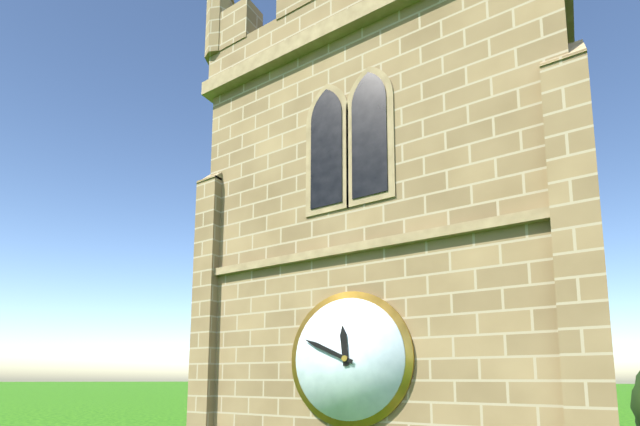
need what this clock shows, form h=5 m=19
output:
h=11 m=49
